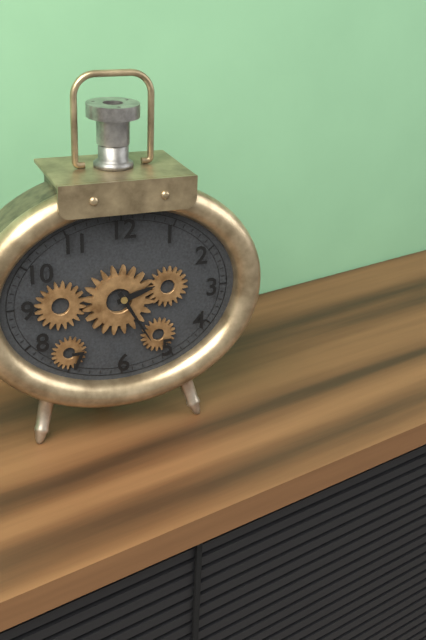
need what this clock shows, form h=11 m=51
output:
h=2 m=25
